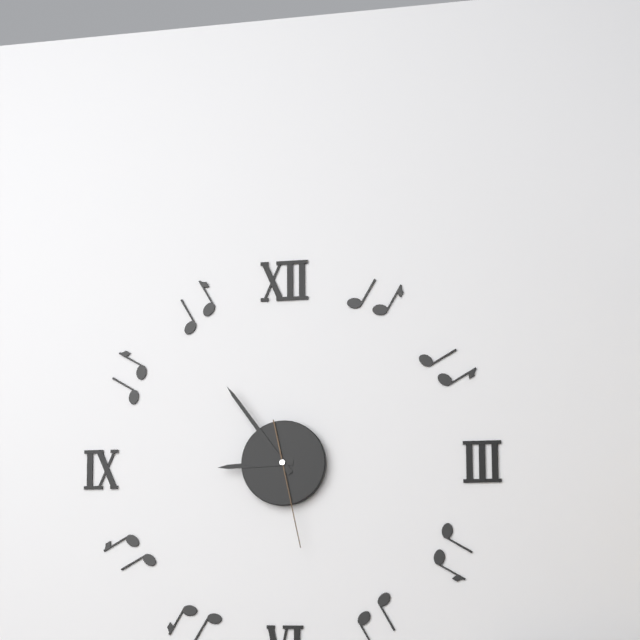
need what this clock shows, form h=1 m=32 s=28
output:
h=8 m=54 s=28
